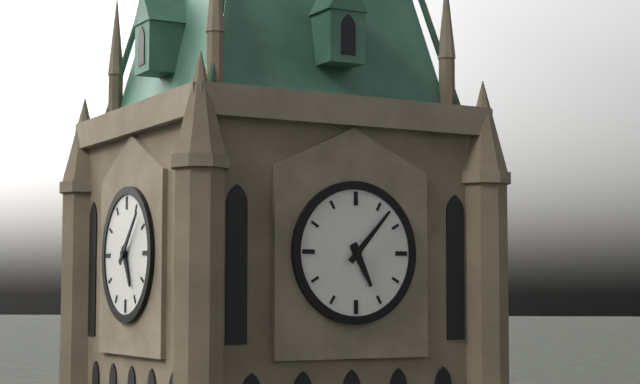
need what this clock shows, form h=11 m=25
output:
h=5 m=7
